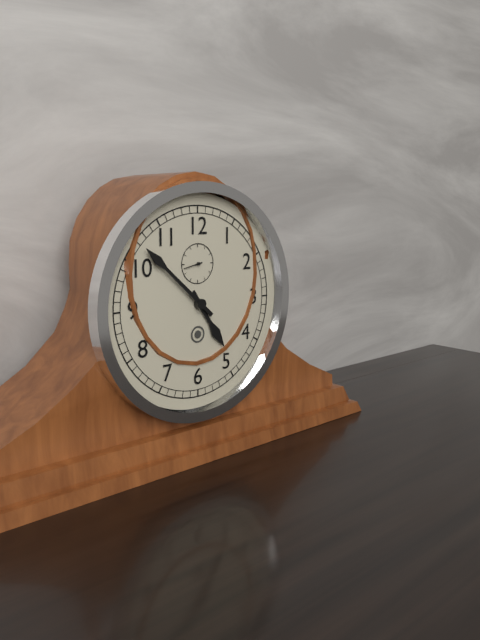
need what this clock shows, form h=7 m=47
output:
h=4 m=52
